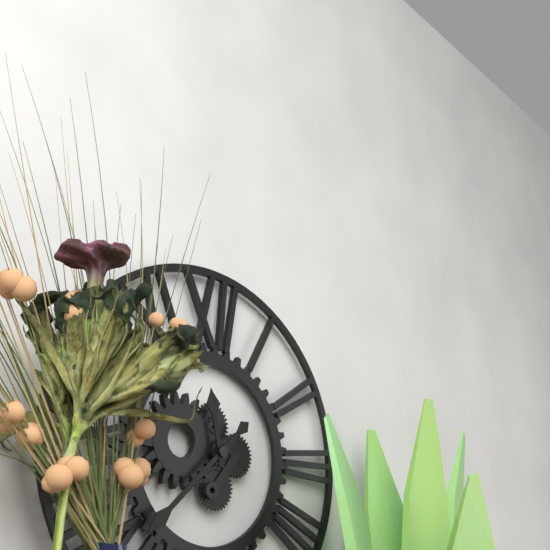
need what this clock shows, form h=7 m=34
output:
h=11 m=38
